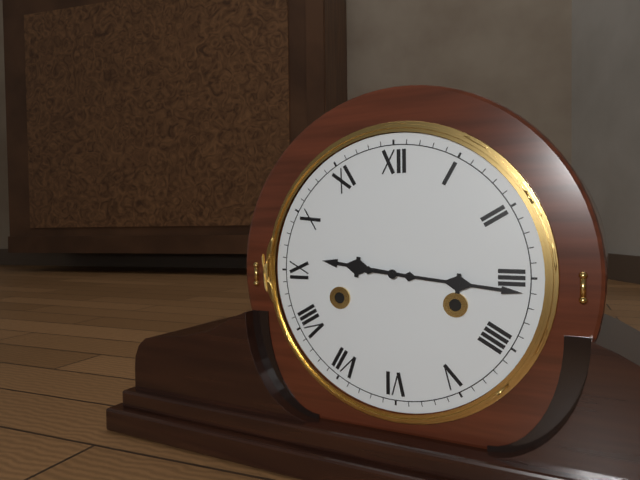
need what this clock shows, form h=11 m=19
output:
h=9 m=16
